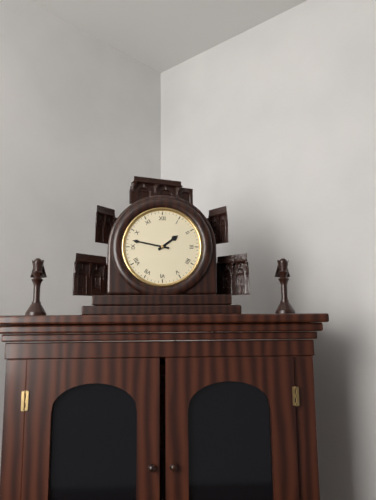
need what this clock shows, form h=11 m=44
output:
h=1 m=47
